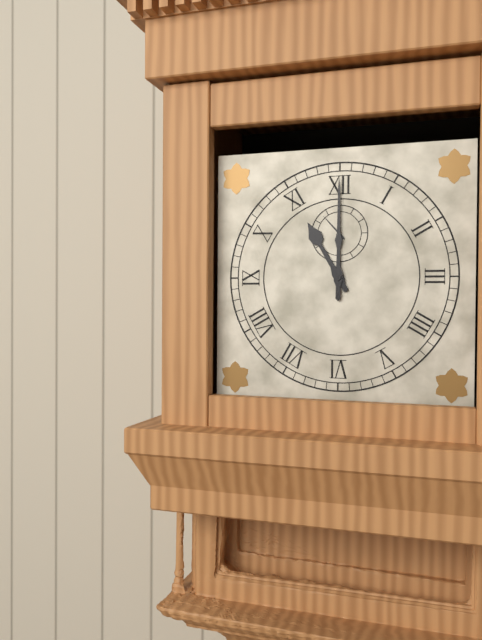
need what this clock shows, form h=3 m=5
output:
h=11 m=0
